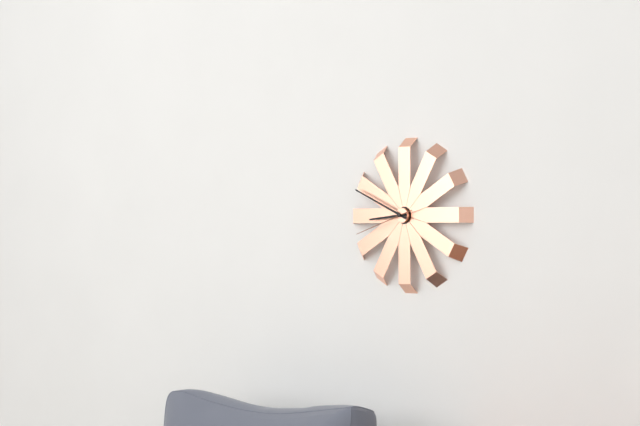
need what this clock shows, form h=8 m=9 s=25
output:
h=8 m=49 s=42
